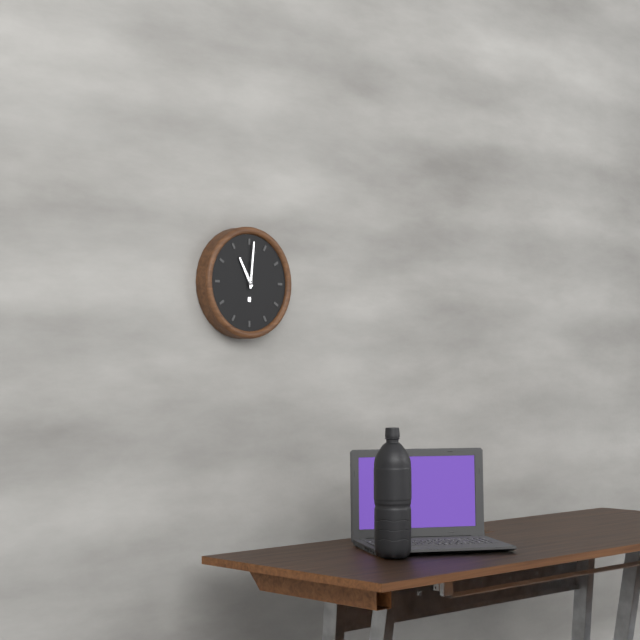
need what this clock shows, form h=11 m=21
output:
h=11 m=1
